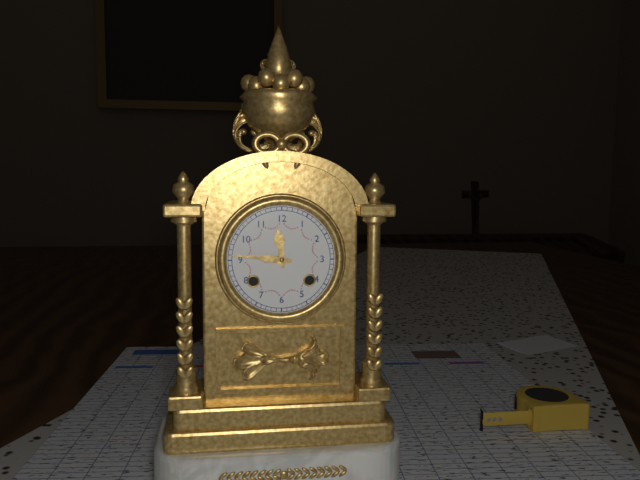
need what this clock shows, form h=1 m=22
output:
h=11 m=46
